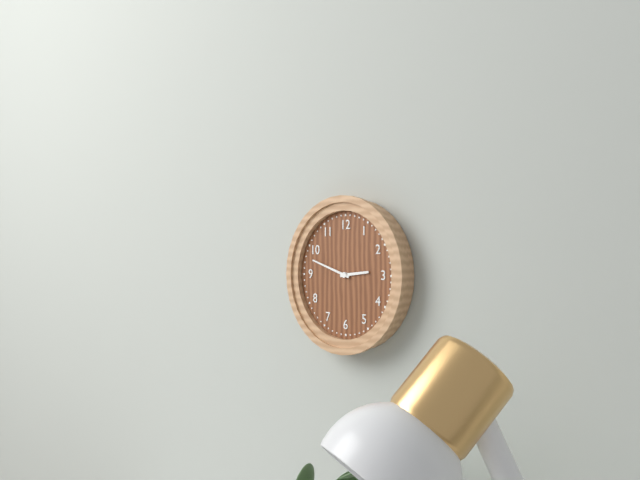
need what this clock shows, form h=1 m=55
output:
h=2 m=48
